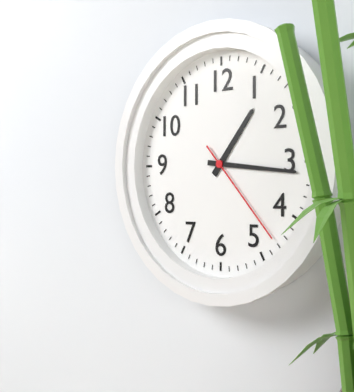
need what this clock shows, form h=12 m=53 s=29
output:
h=1 m=16 s=23
